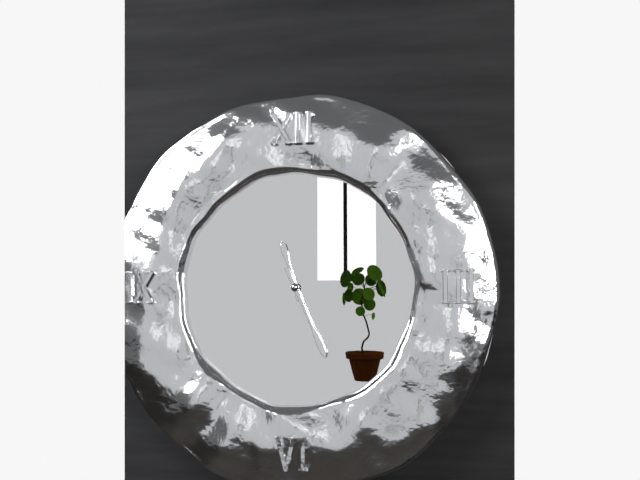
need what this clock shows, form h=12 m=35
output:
h=11 m=26
